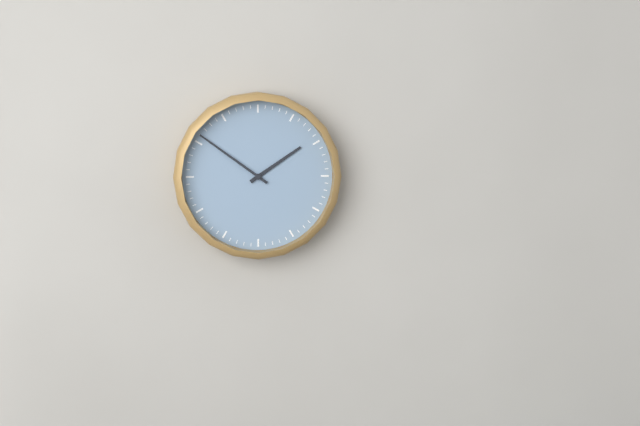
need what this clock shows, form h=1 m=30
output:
h=1 m=51
